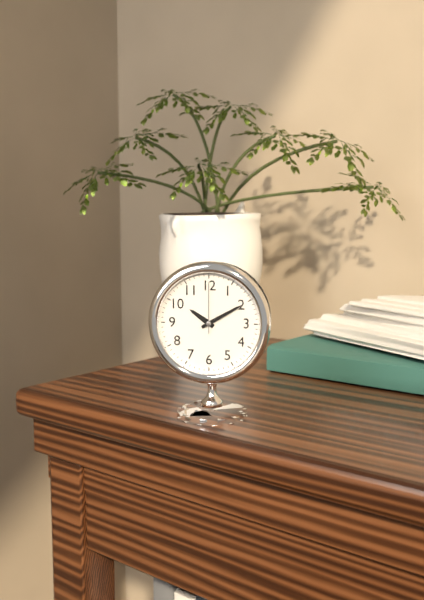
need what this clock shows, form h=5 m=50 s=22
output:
h=10 m=10 s=0
